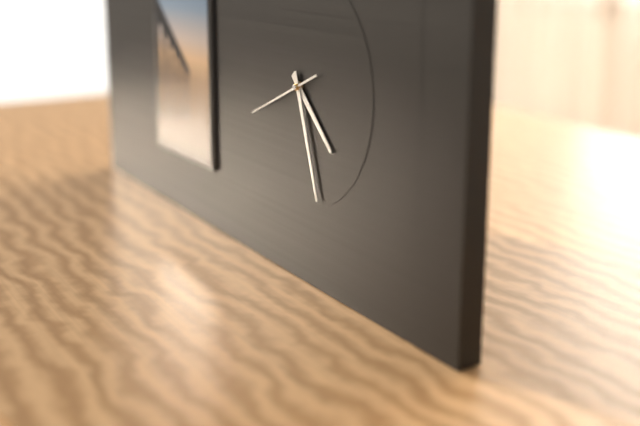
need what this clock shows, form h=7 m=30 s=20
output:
h=4 m=27 s=41
